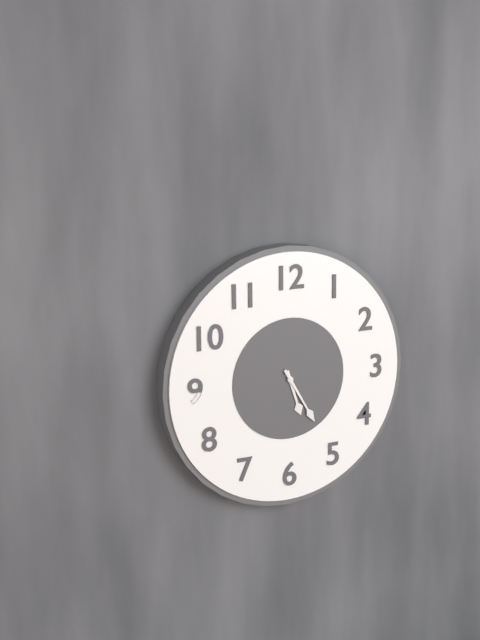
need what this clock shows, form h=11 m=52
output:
h=5 m=25
